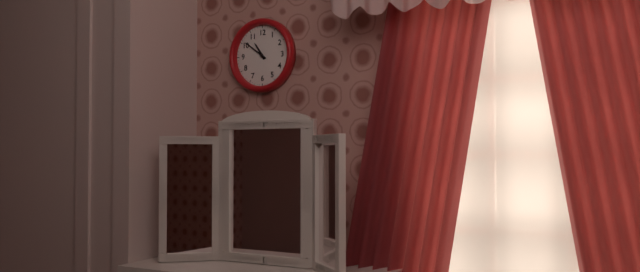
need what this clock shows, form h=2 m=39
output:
h=10 m=51
